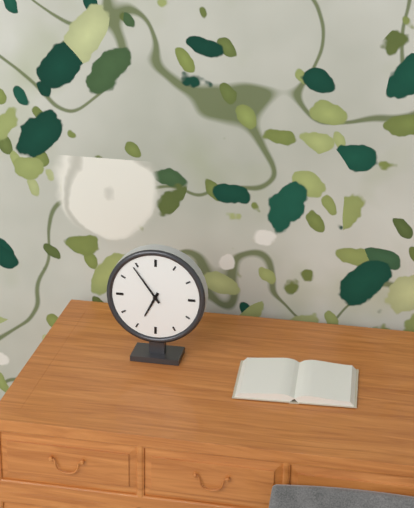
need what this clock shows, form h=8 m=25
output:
h=6 m=54
